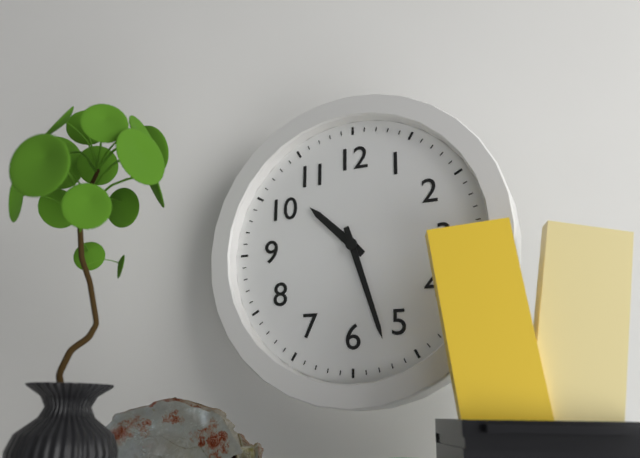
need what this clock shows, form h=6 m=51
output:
h=10 m=27
